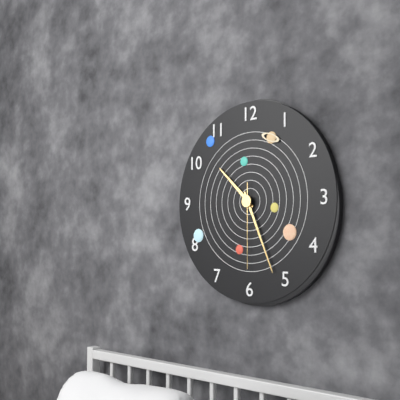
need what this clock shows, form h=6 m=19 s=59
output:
h=10 m=26 s=30
